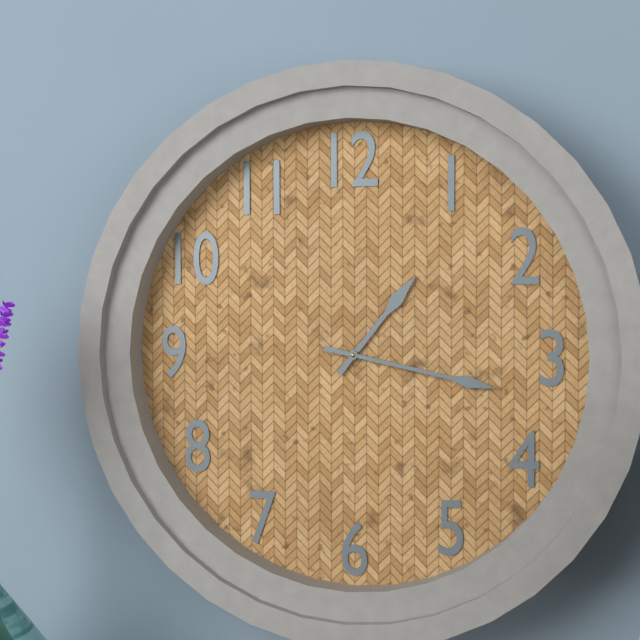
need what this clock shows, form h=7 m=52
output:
h=1 m=17
